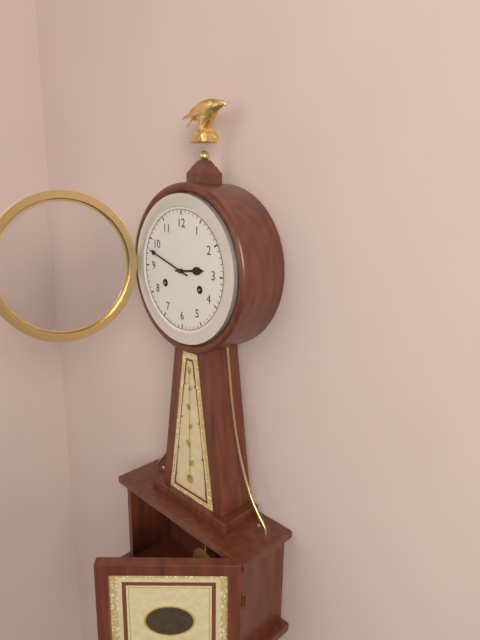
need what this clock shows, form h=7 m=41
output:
h=2 m=48
